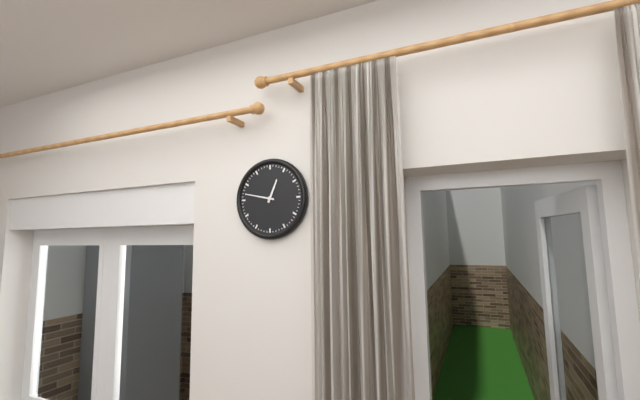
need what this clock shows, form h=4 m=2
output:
h=12 m=47
